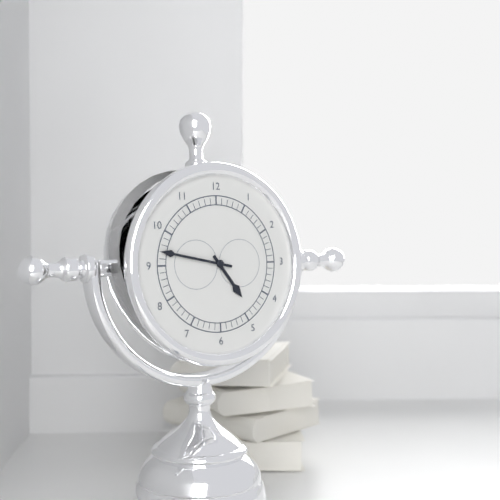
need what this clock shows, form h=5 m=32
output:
h=4 m=47
